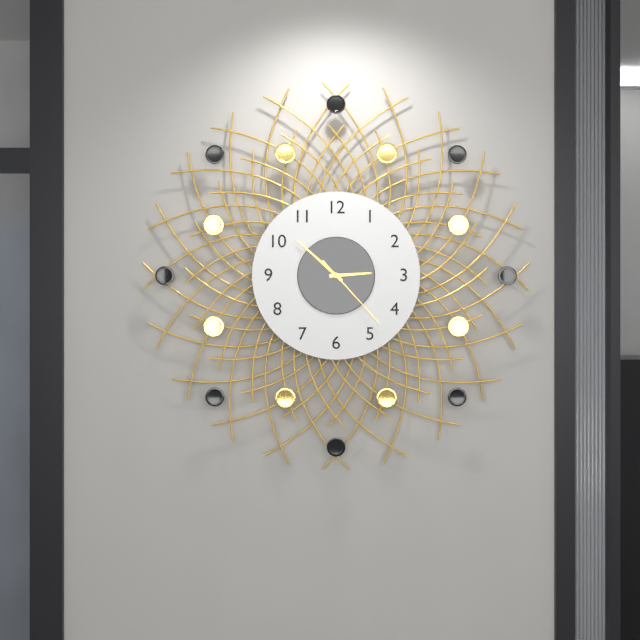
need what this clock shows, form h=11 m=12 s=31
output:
h=2 m=52 s=23
